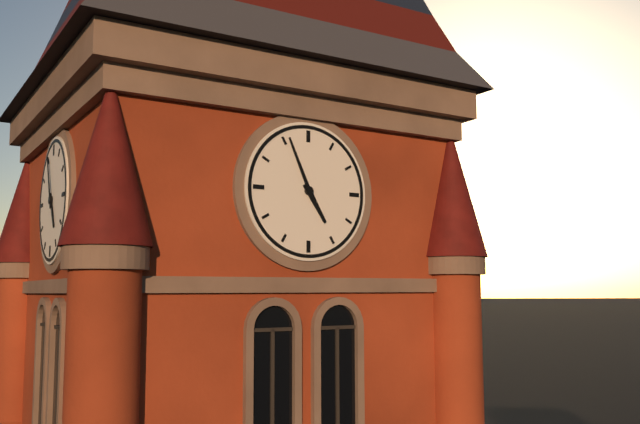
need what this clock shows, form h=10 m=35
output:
h=4 m=56
